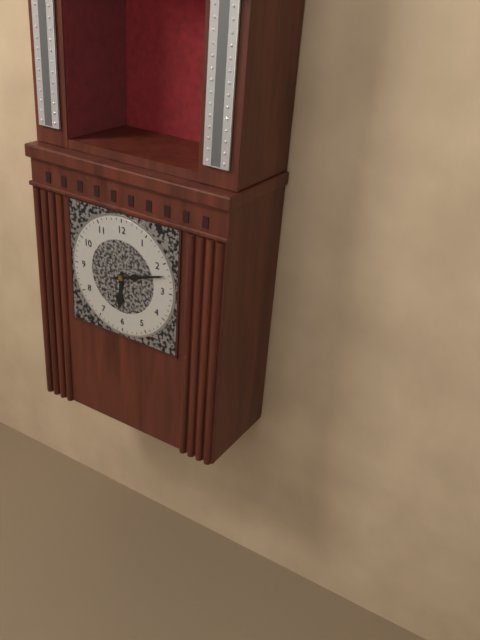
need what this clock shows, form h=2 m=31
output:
h=6 m=12
